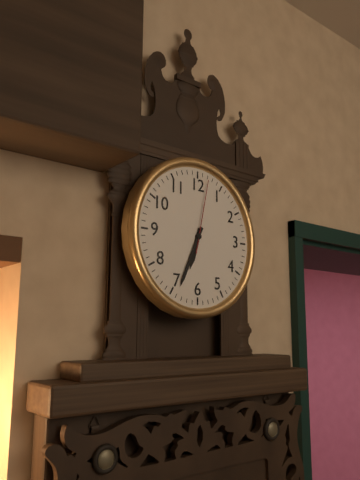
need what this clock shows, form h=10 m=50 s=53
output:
h=6 m=34 s=2
